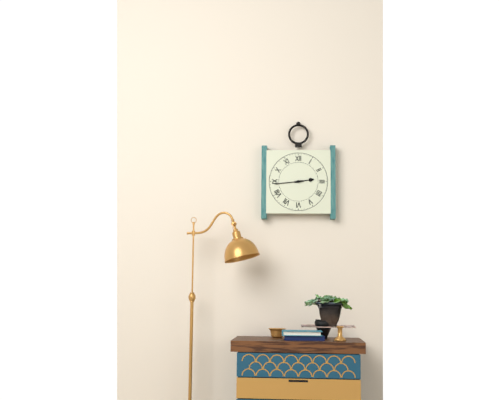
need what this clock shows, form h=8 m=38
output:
h=2 m=44
